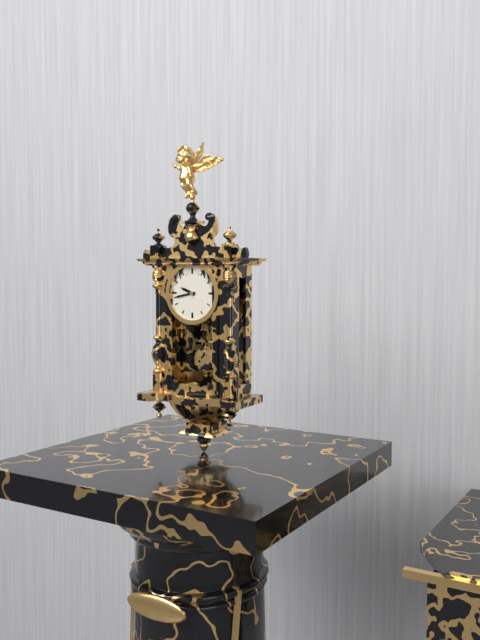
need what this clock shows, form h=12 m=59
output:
h=9 m=43
